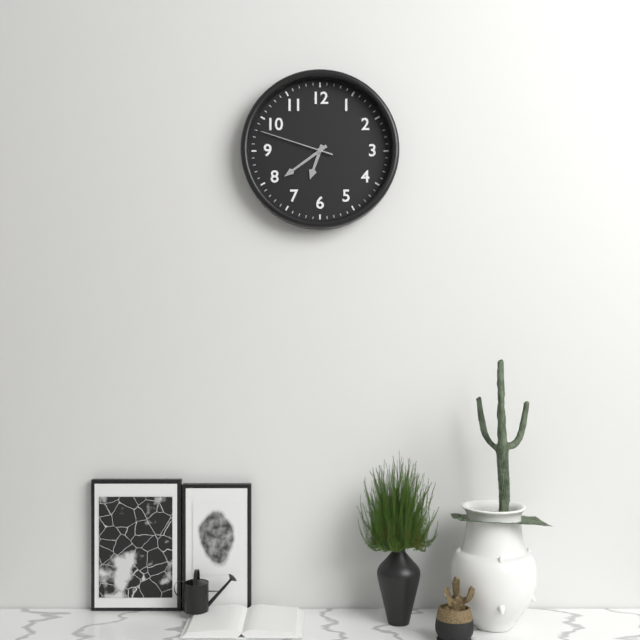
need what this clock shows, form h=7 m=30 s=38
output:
h=6 m=39 s=48
